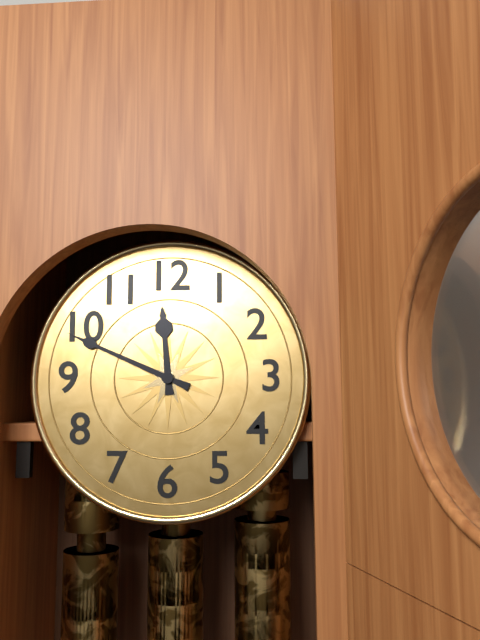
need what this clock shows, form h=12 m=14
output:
h=11 m=49
